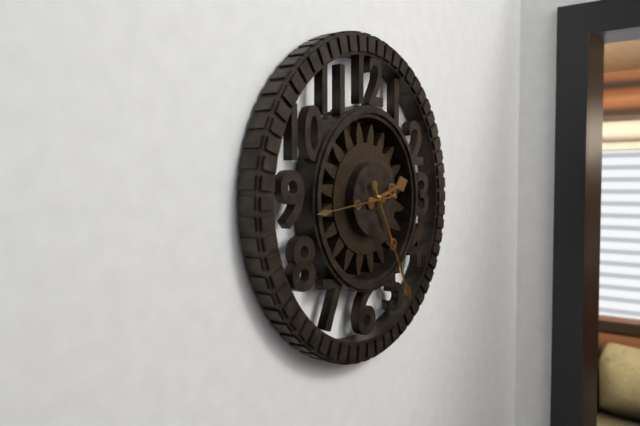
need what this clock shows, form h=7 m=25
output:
h=2 m=25
